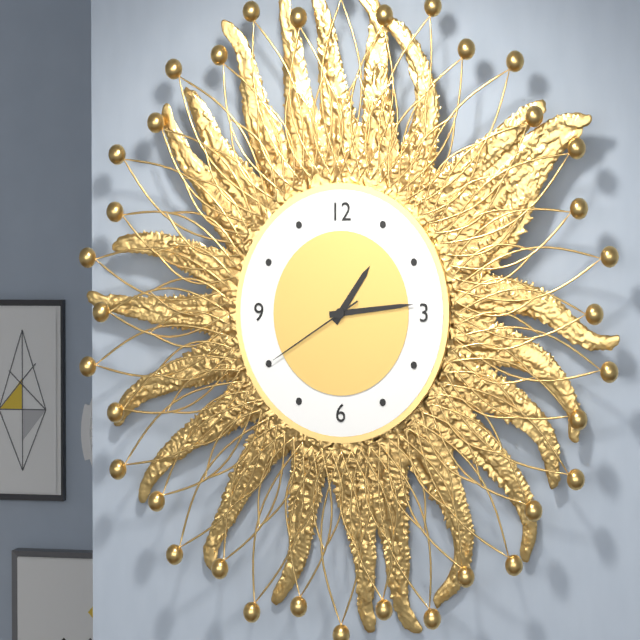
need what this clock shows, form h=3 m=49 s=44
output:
h=1 m=14 s=40
